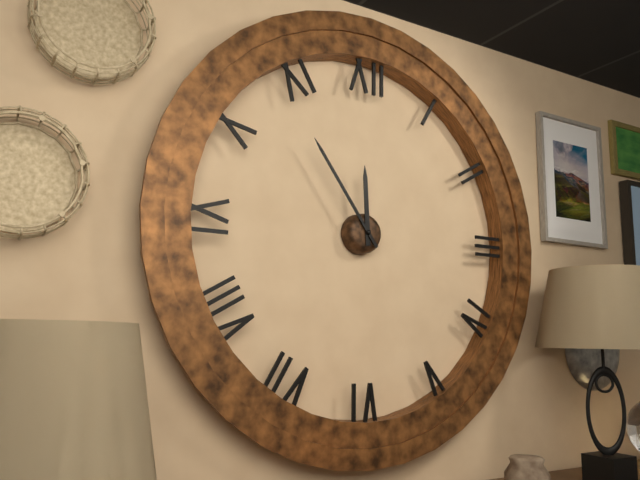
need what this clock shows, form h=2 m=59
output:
h=11 m=54
